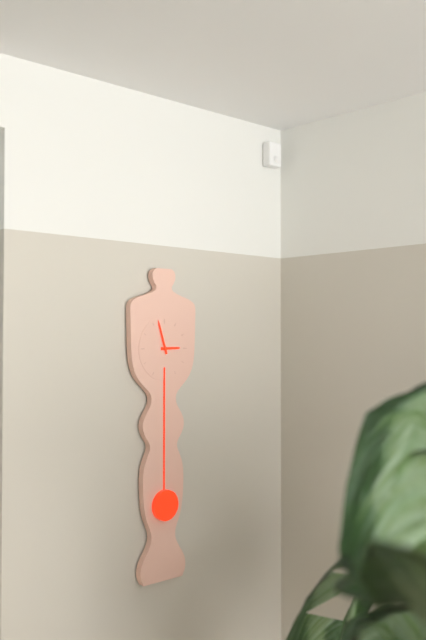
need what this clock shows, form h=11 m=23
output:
h=2 m=57
